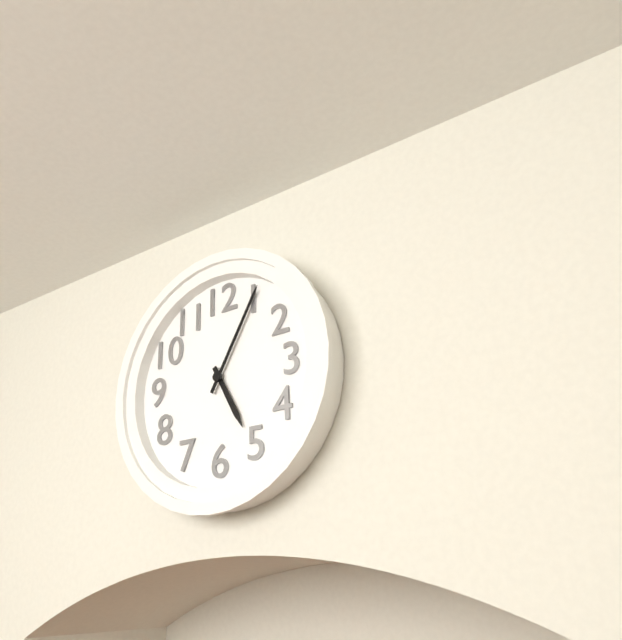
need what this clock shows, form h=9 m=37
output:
h=5 m=5
